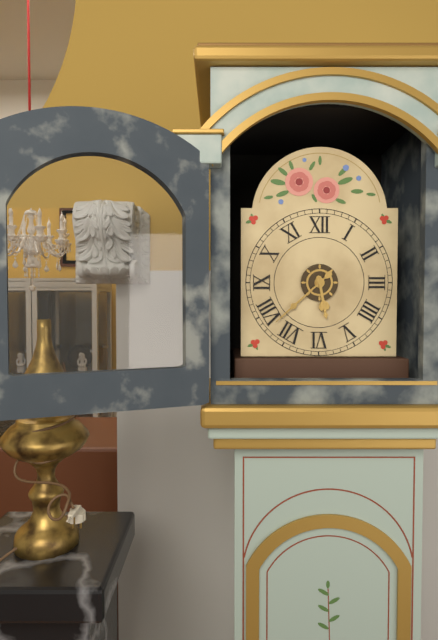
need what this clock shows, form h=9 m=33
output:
h=5 m=38
